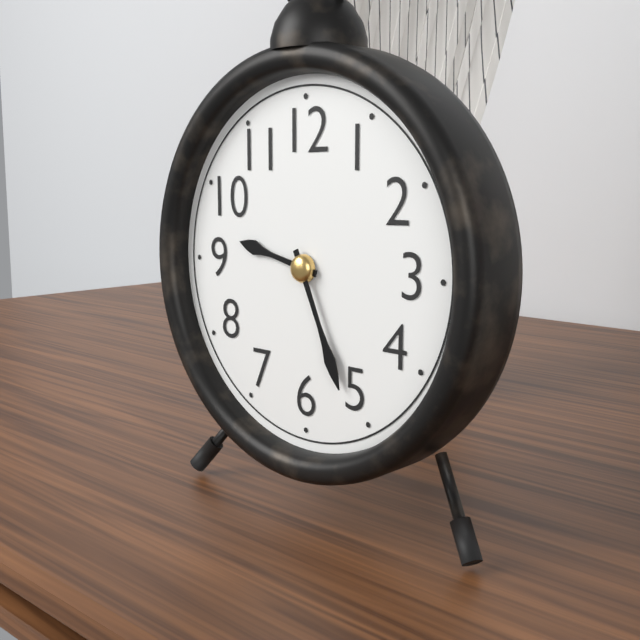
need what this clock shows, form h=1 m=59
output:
h=9 m=26
